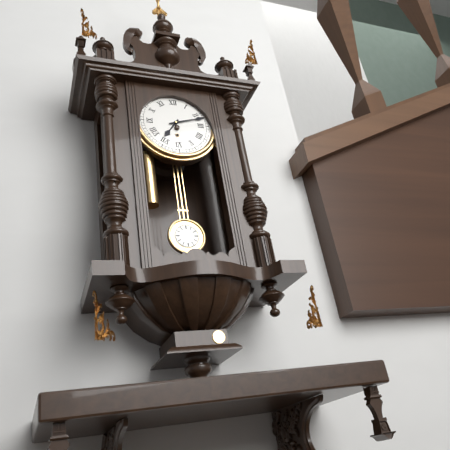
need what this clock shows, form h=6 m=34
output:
h=7 m=12
